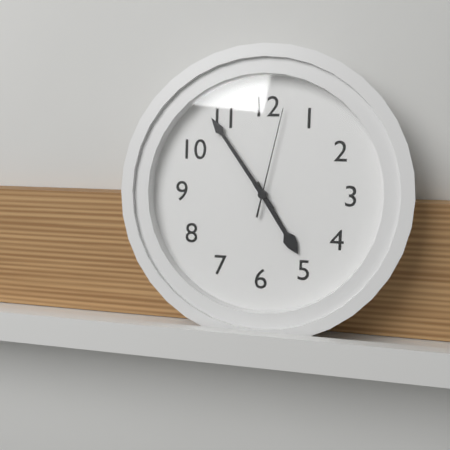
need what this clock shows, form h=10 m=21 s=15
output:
h=4 m=54 s=2
